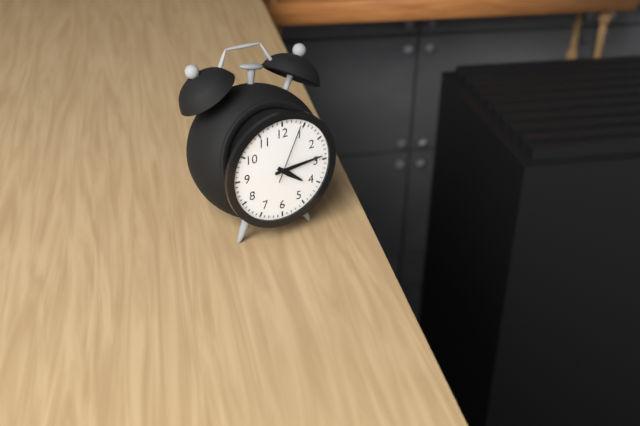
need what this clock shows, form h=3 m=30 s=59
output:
h=4 m=14 s=4
